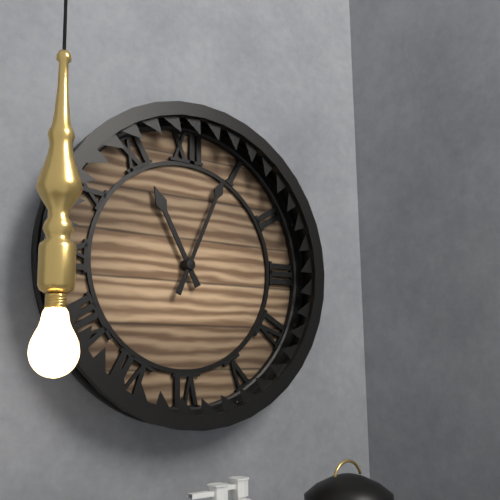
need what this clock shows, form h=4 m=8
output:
h=11 m=4
